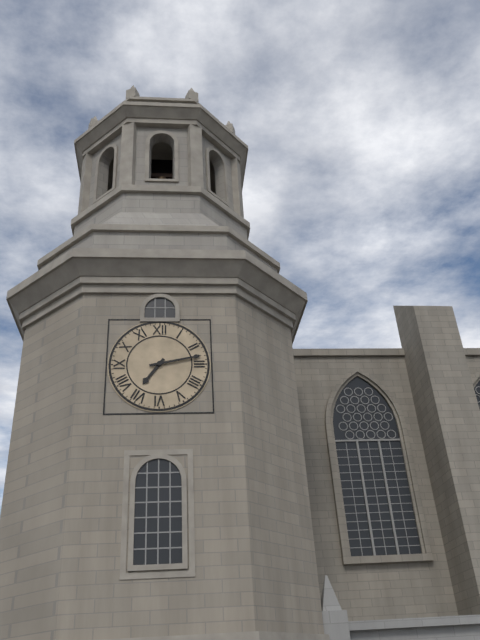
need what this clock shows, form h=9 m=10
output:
h=7 m=13
